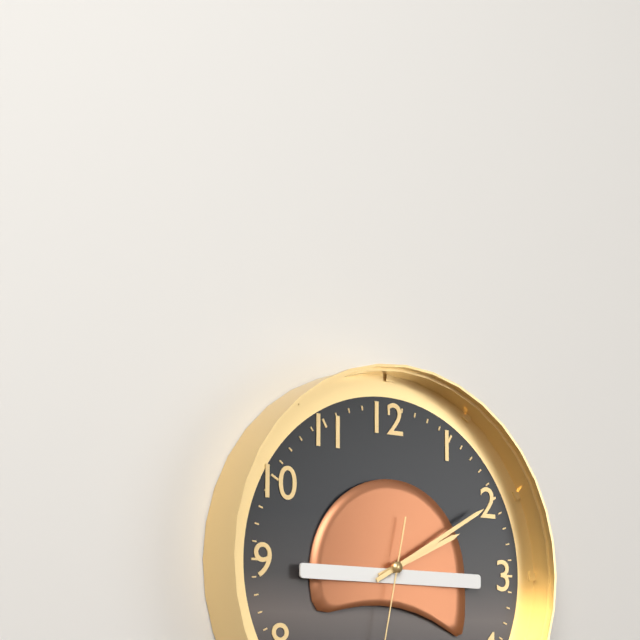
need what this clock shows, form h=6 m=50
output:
h=2 m=10
